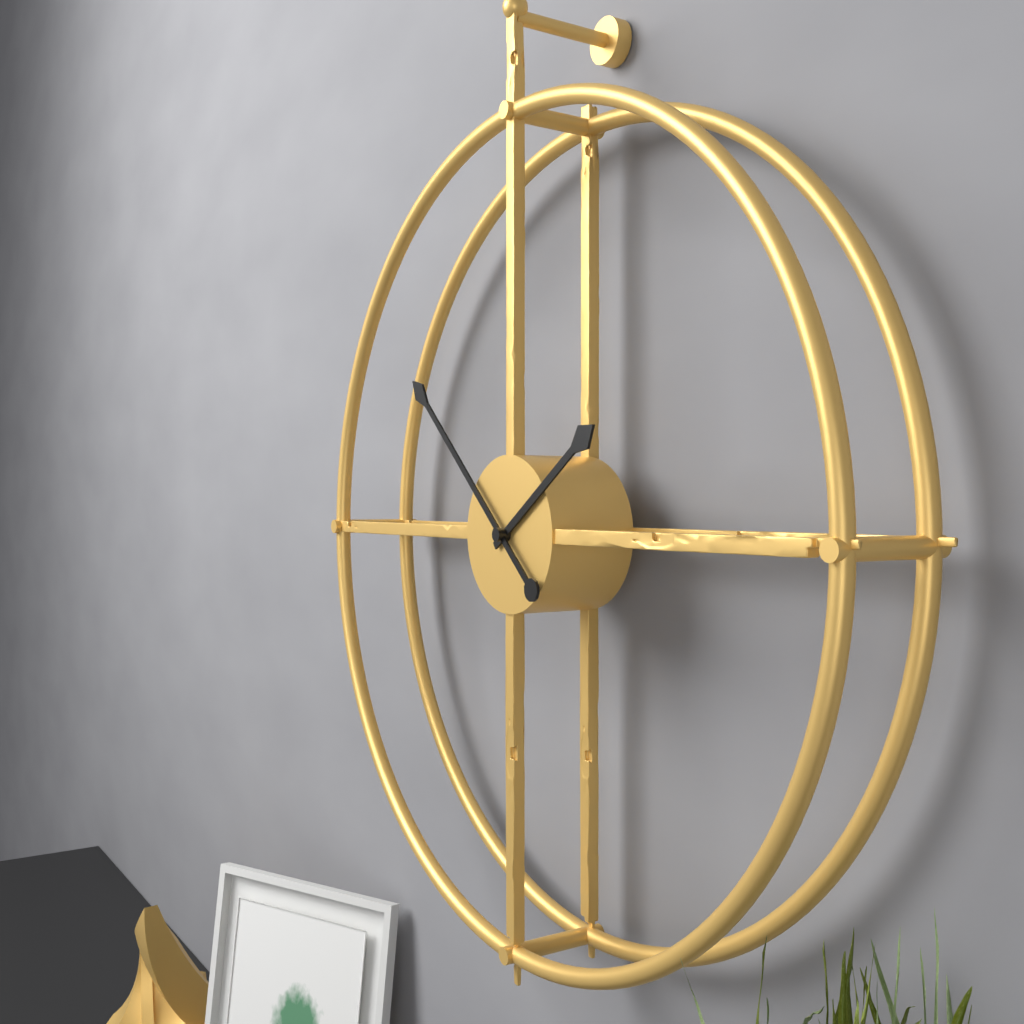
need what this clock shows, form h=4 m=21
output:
h=1 m=52
